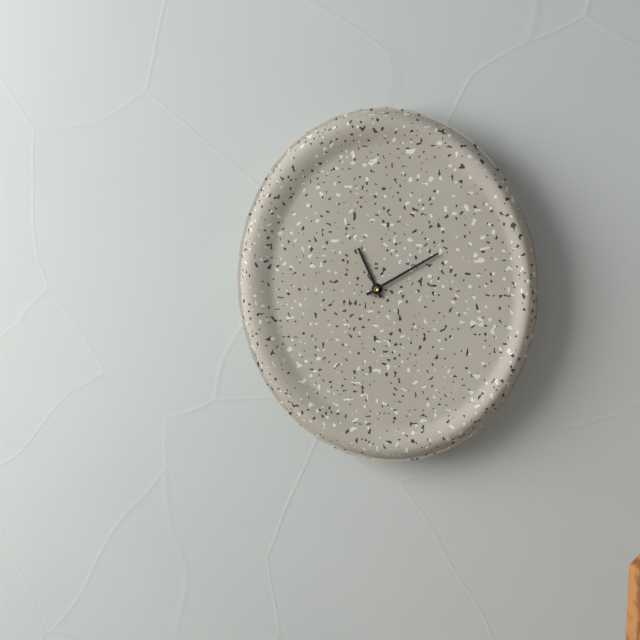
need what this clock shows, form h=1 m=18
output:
h=11 m=10
